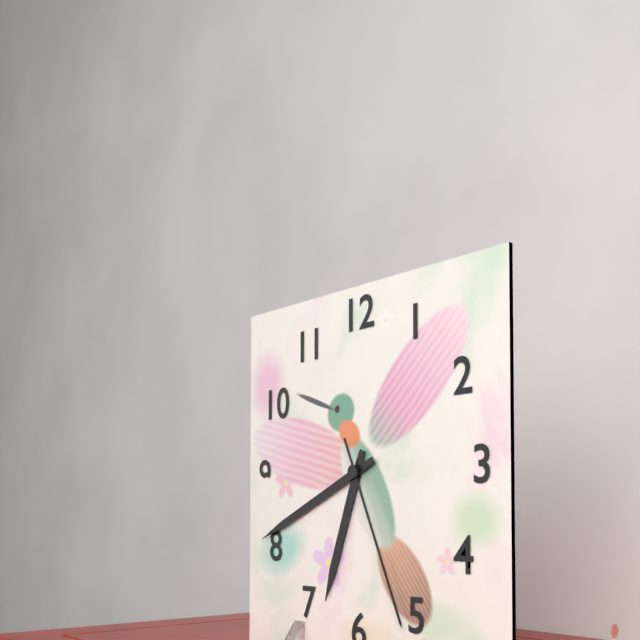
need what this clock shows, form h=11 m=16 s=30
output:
h=6 m=41 s=26
